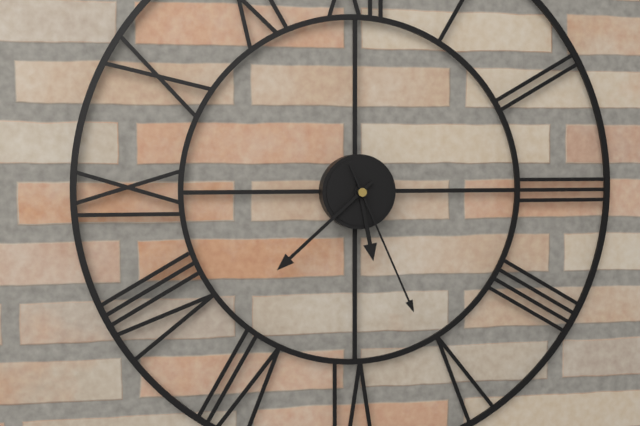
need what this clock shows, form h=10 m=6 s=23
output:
h=5 m=38 s=26
